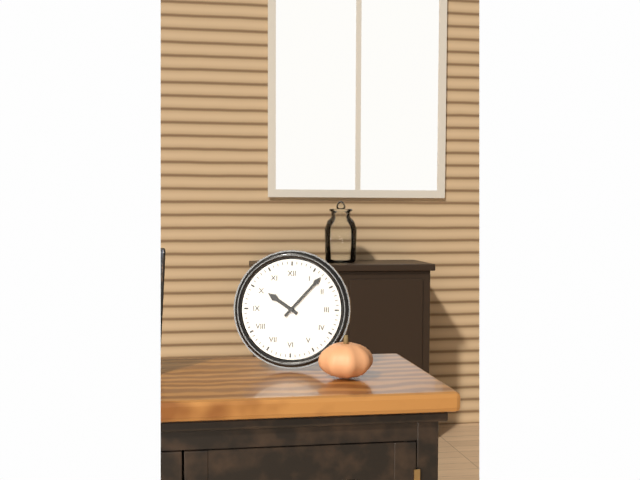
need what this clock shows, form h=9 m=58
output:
h=10 m=7
